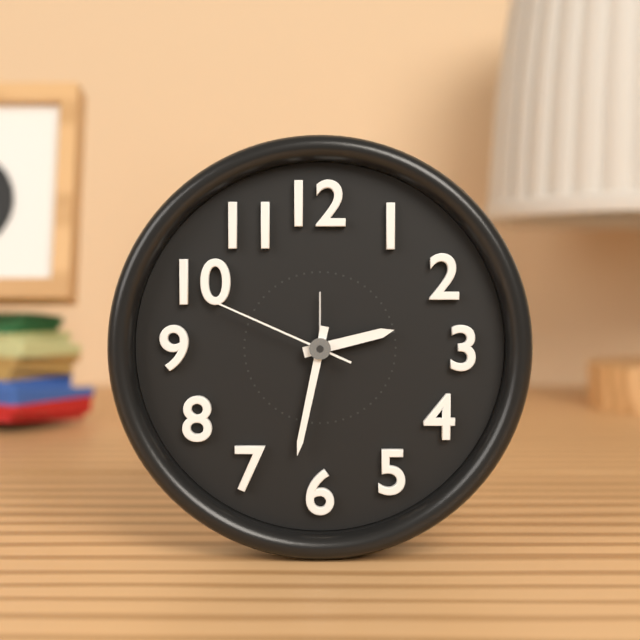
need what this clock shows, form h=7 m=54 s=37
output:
h=2 m=32 s=49
